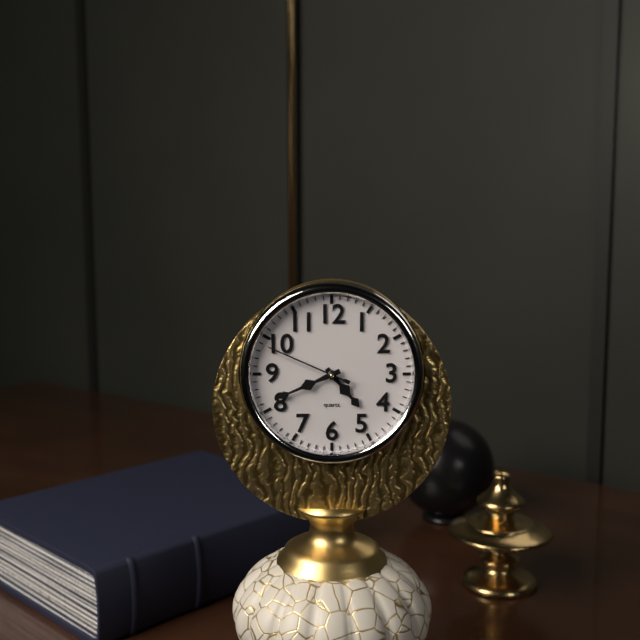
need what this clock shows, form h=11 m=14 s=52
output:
h=4 m=41 s=49
